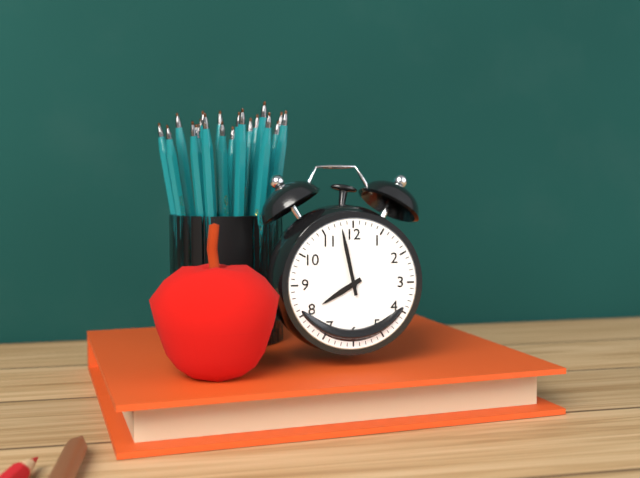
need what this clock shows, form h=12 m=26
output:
h=7 m=58
